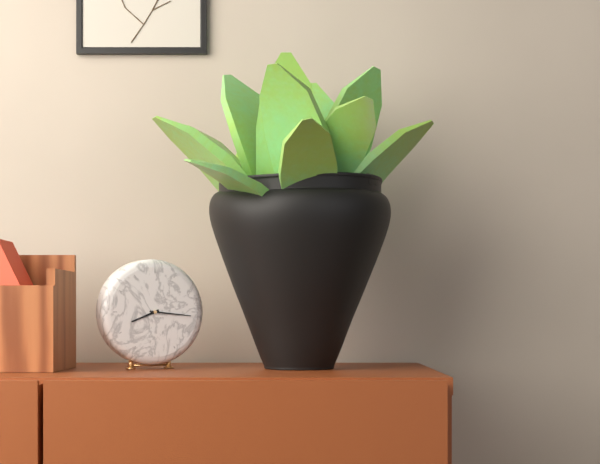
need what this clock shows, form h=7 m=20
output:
h=8 m=16
